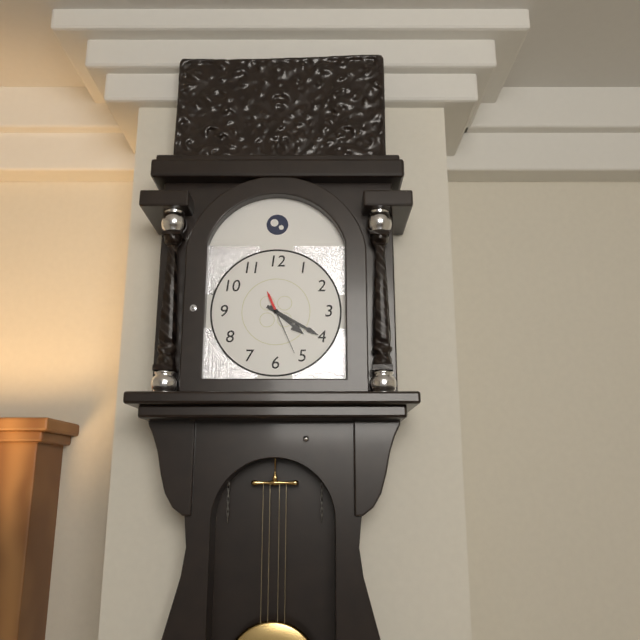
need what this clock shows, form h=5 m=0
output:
h=4 m=20
